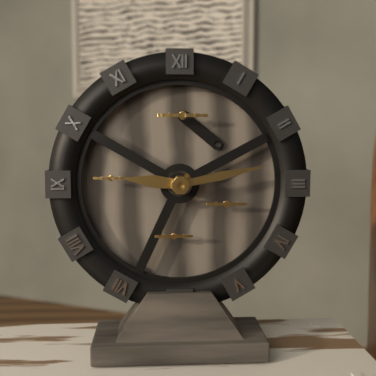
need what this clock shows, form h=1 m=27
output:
h=9 m=13
